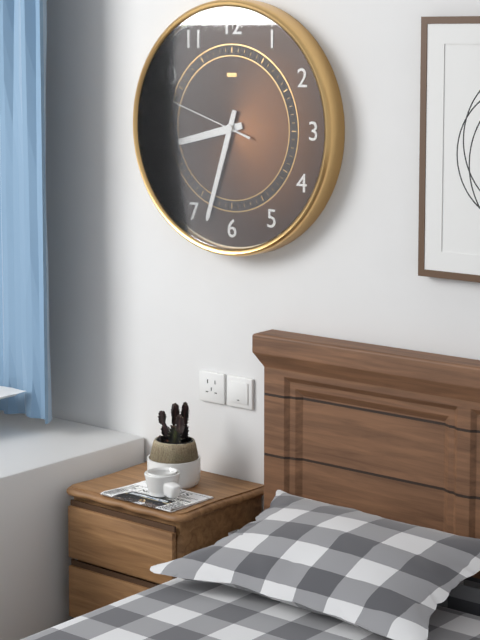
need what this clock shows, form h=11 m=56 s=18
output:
h=8 m=33 s=48
